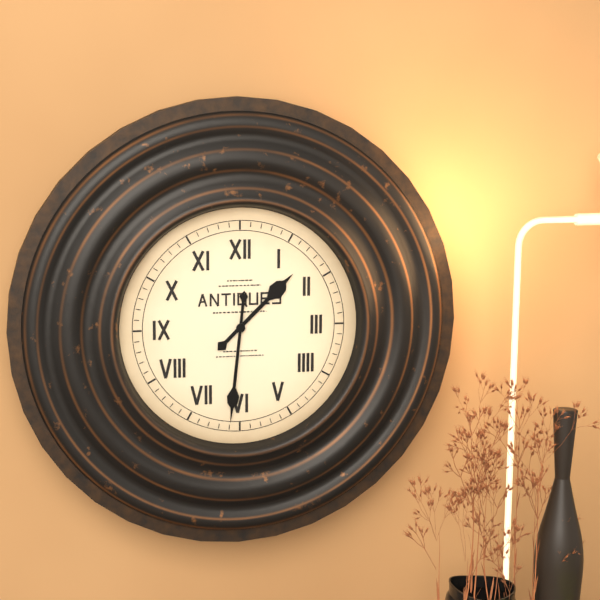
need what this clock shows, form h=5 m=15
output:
h=1 m=31
